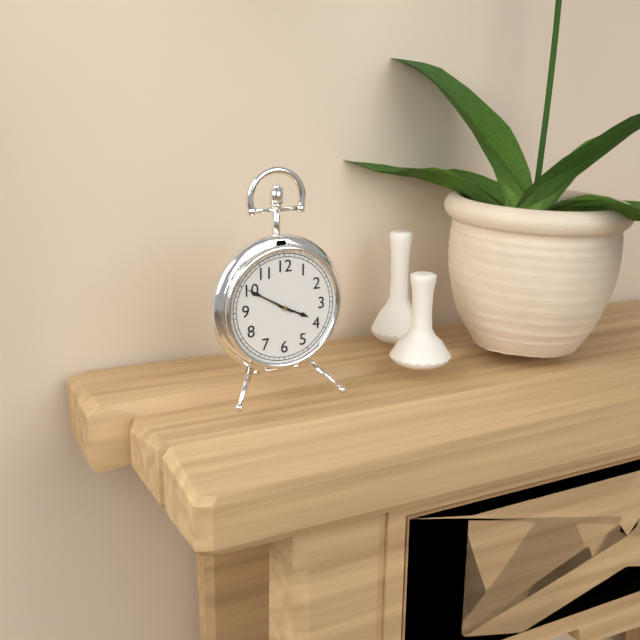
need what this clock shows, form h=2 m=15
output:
h=3 m=50
